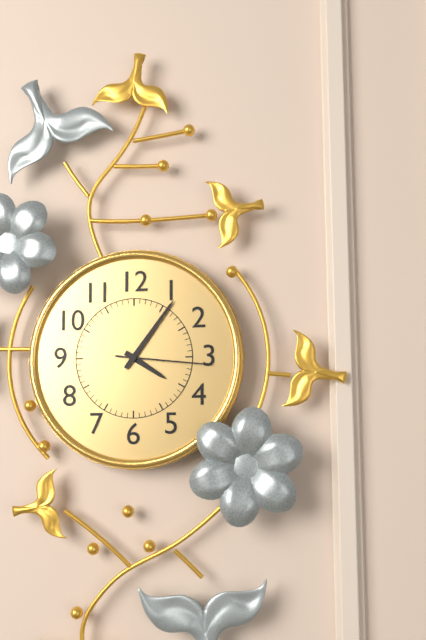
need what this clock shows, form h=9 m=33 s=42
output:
h=4 m=6 s=16
